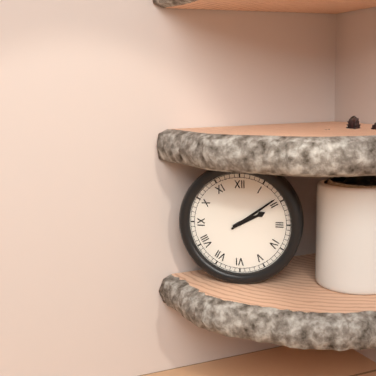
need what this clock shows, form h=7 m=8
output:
h=2 m=9
